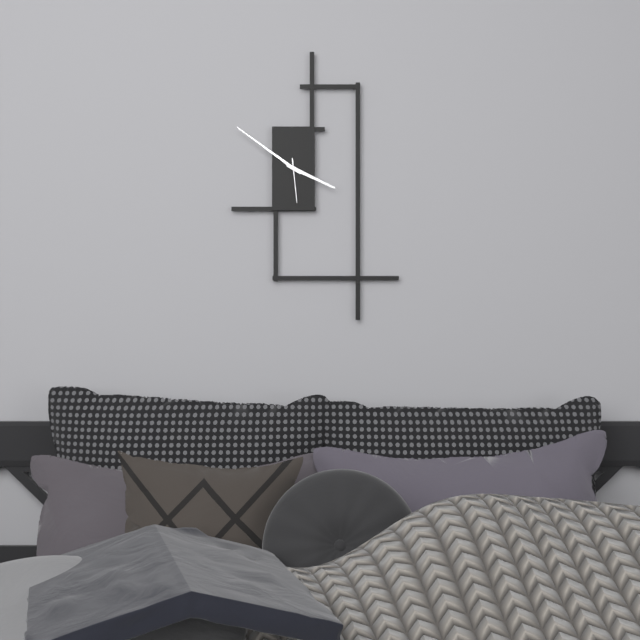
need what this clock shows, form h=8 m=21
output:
h=3 m=51
